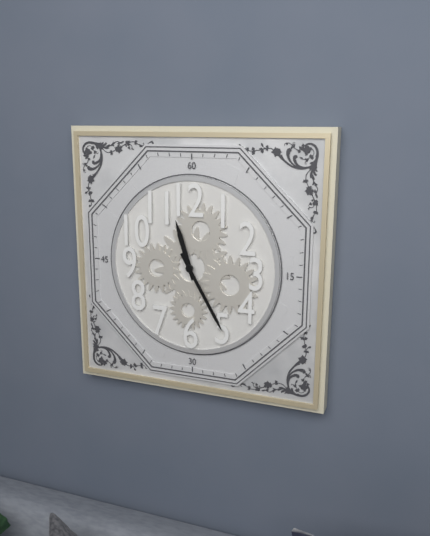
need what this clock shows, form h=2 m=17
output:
h=11 m=25
